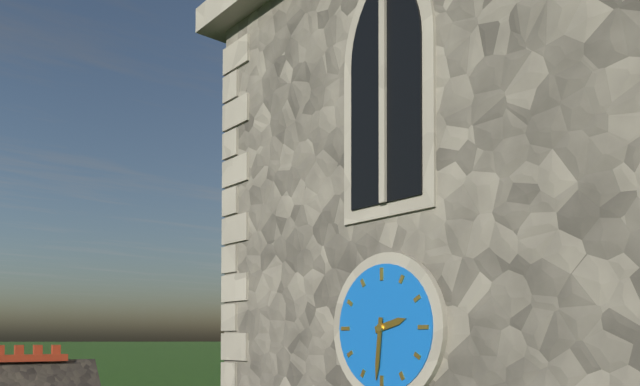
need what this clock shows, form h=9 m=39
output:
h=2 m=31
